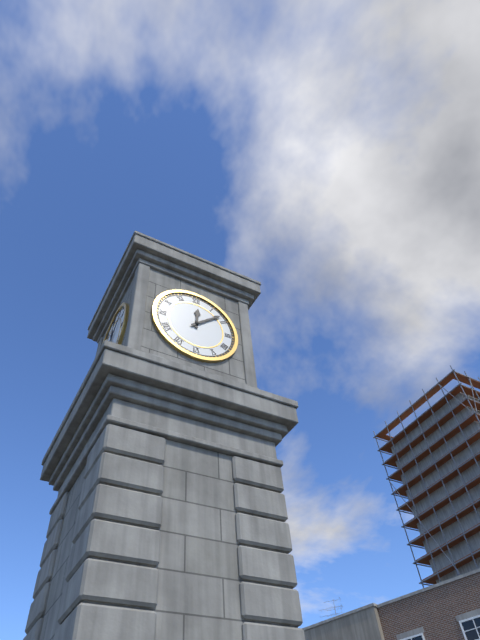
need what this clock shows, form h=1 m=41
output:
h=12 m=8
